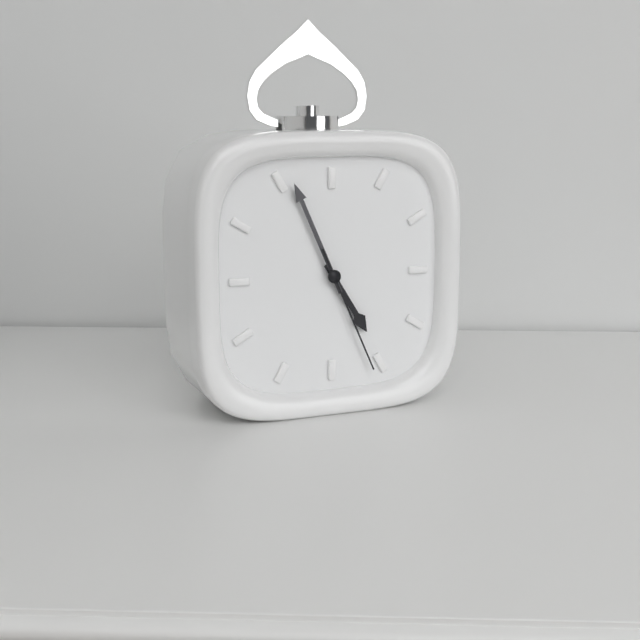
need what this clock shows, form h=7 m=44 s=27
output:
h=4 m=56 s=26
